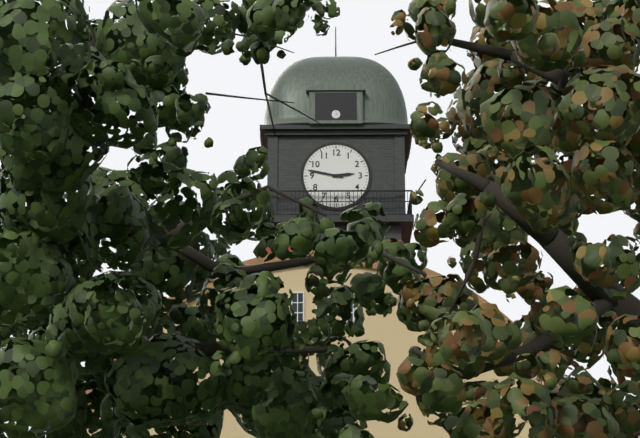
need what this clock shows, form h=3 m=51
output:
h=2 m=47
